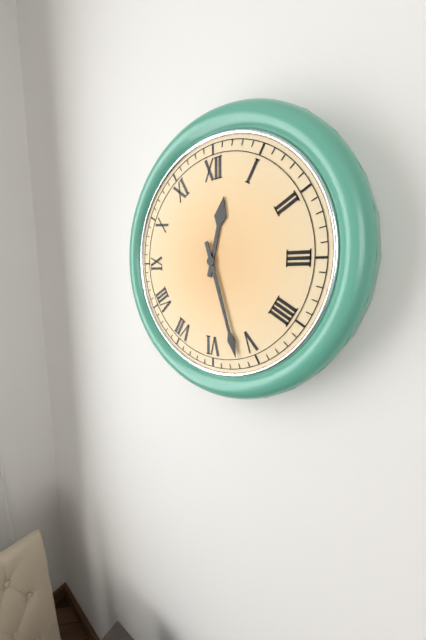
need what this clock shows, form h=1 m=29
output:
h=12 m=27
